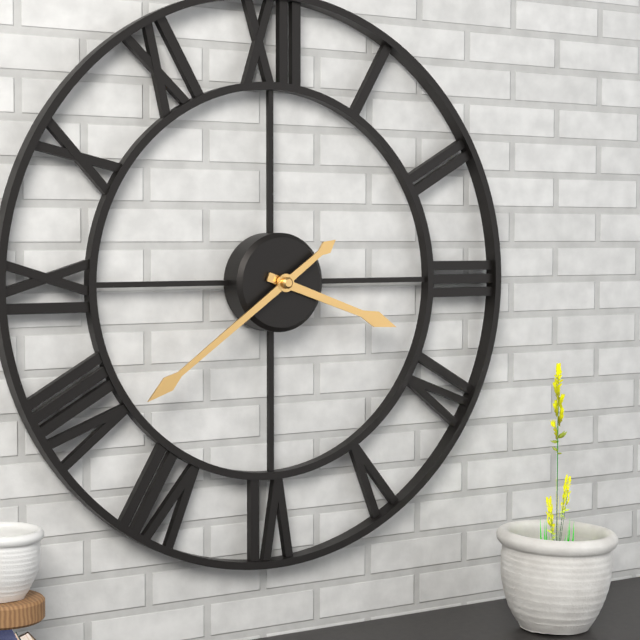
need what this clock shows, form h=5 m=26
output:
h=3 m=39
